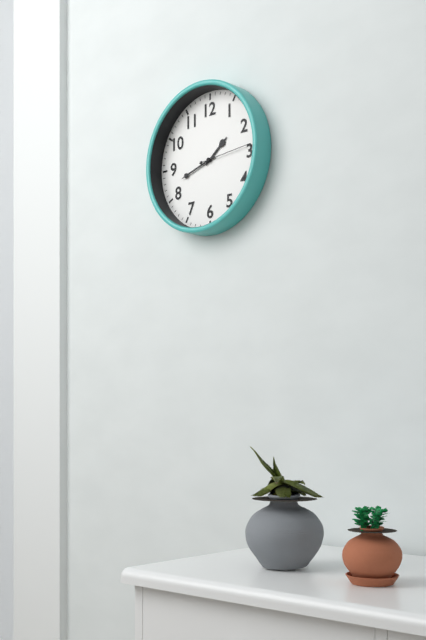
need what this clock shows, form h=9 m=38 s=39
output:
h=1 m=42 s=14
